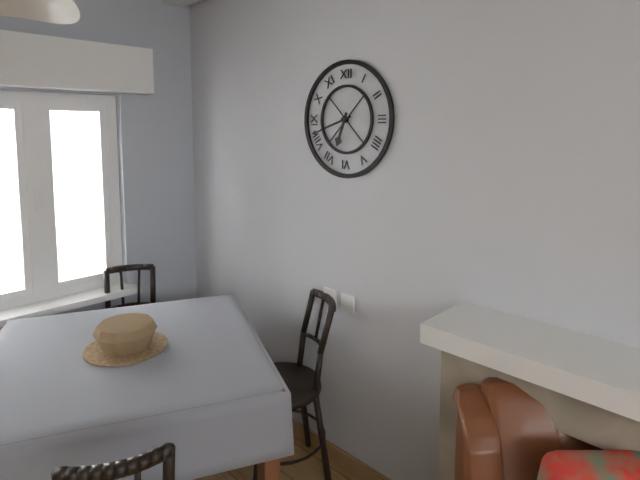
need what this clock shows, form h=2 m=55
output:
h=6 m=42
